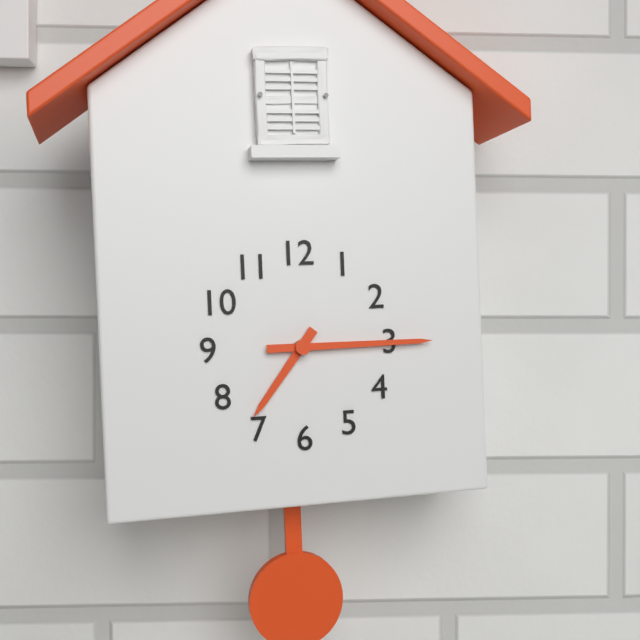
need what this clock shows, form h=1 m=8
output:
h=7 m=15
